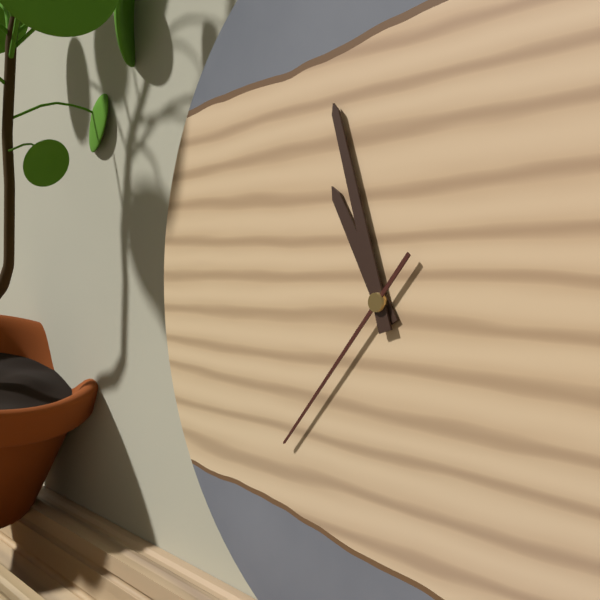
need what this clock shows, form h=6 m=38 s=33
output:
h=10 m=57 s=37
